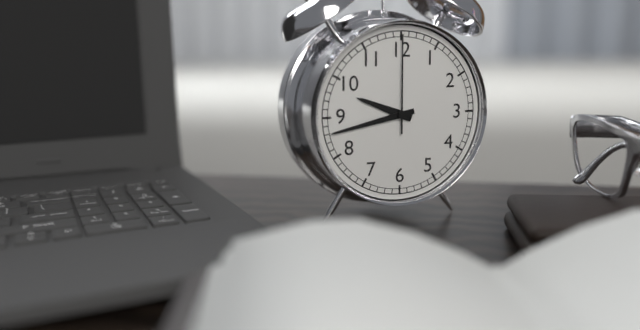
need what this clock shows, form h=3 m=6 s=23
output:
h=9 m=43 s=0
